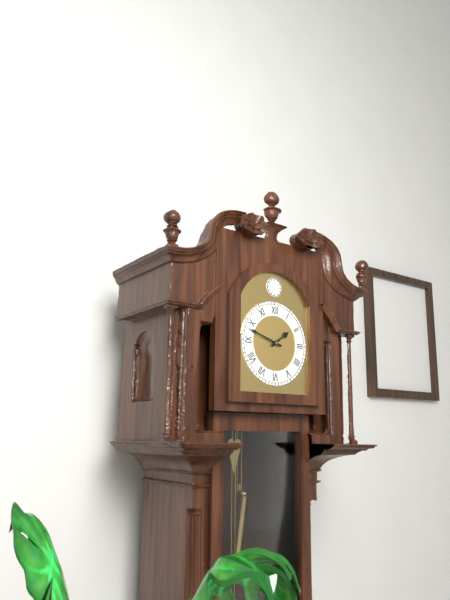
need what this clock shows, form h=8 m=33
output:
h=1 m=48
